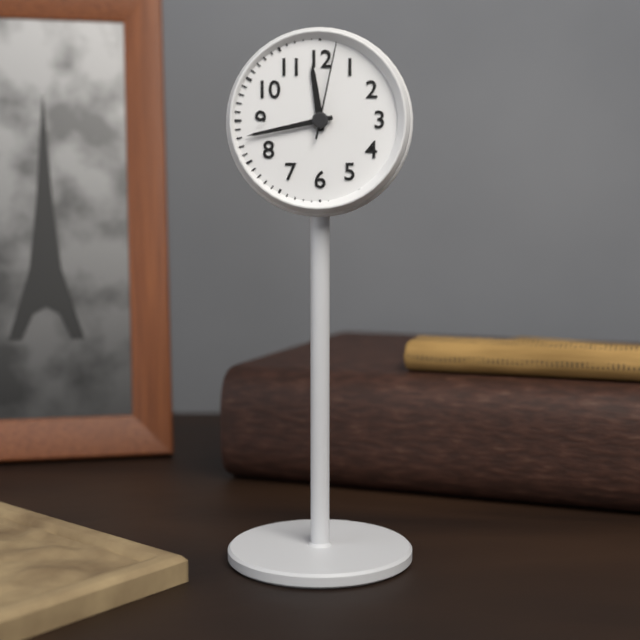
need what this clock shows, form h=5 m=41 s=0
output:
h=11 m=43 s=2
